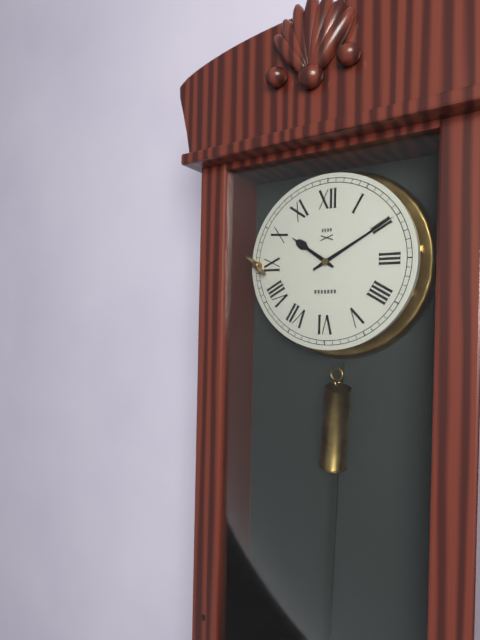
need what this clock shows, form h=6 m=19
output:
h=10 m=10
